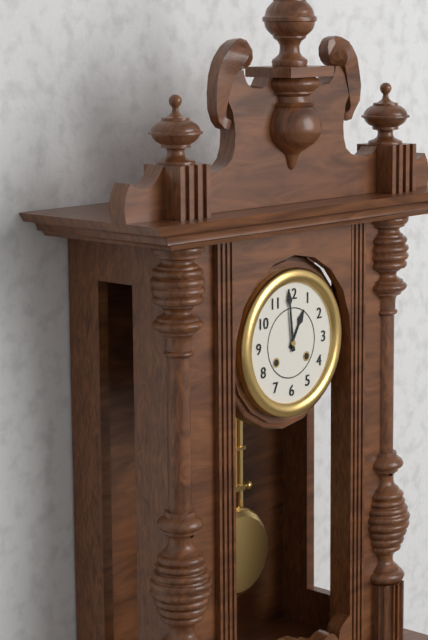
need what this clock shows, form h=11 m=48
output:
h=12 m=59
